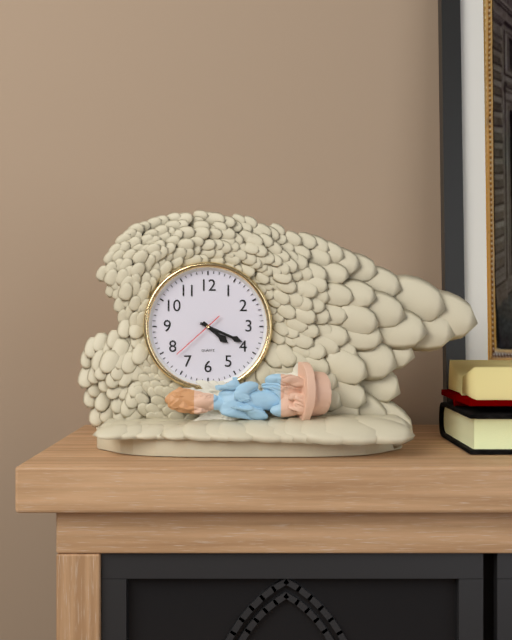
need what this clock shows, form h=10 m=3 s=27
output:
h=4 m=19 s=38
